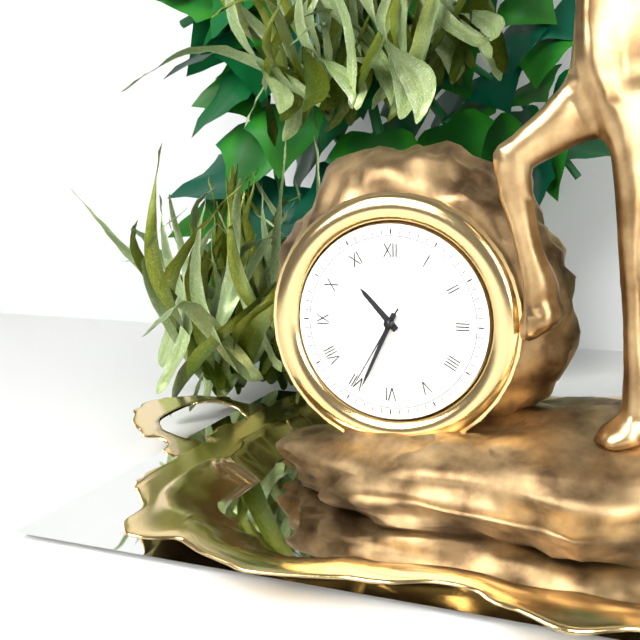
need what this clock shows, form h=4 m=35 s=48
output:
h=10 m=34 s=35
